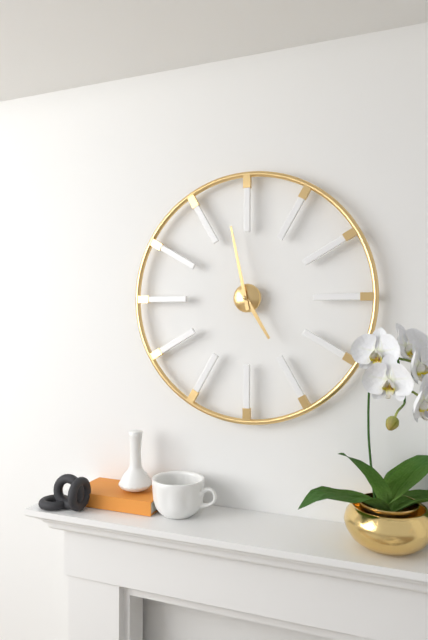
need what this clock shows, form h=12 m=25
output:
h=4 m=58
